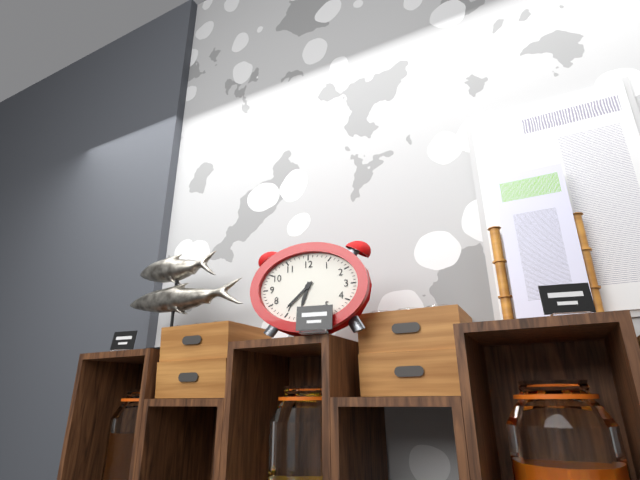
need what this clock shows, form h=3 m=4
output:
h=6 m=38
